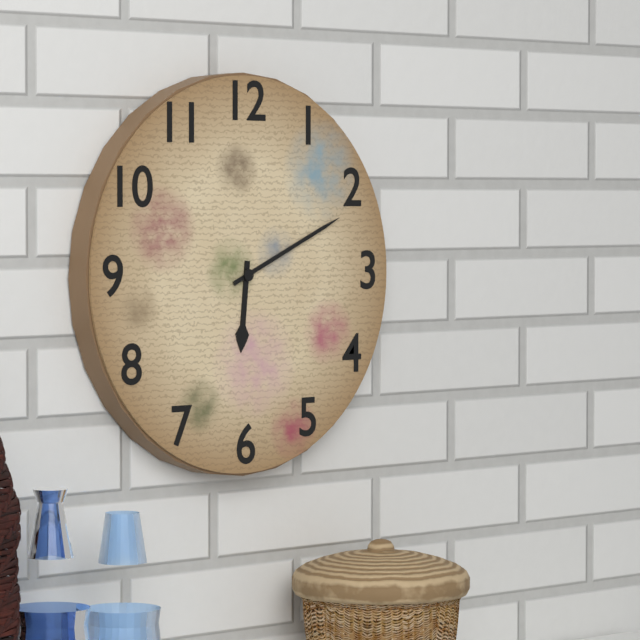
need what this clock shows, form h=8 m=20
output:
h=6 m=11
